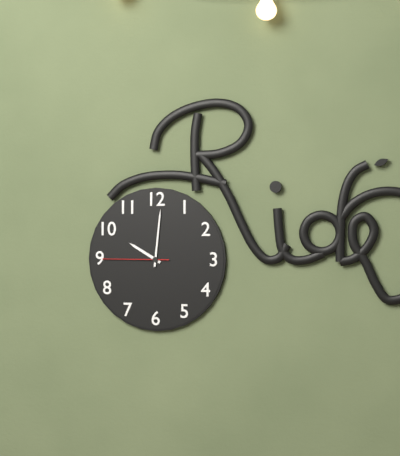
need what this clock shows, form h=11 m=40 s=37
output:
h=10 m=1 s=45
